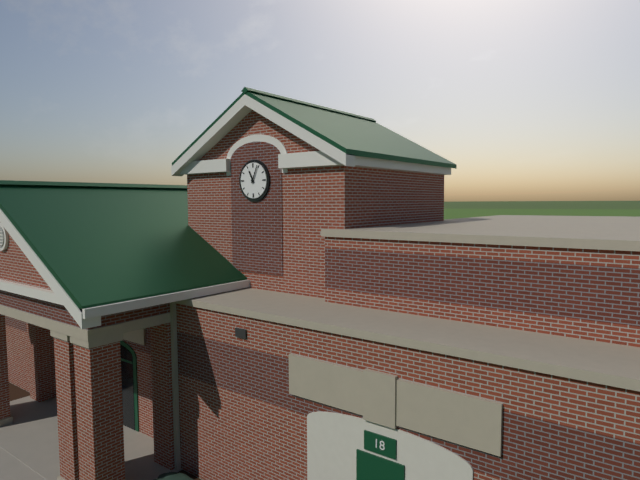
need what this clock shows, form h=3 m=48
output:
h=11 m=4
